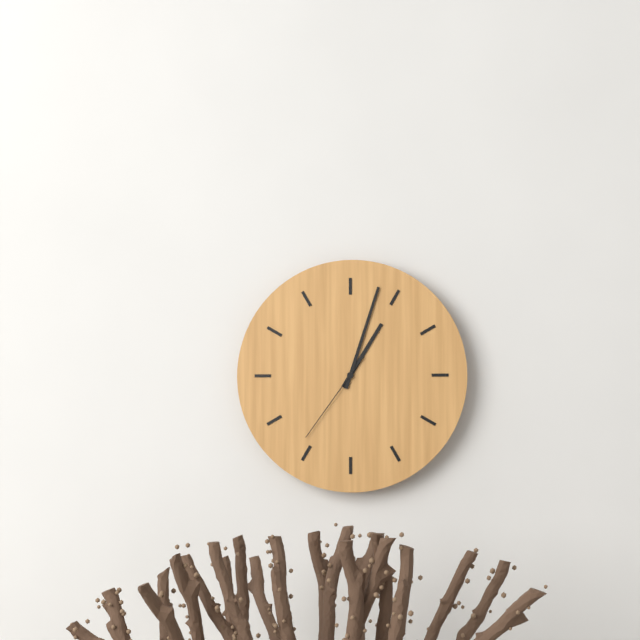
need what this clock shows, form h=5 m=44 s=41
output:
h=1 m=3 s=36
